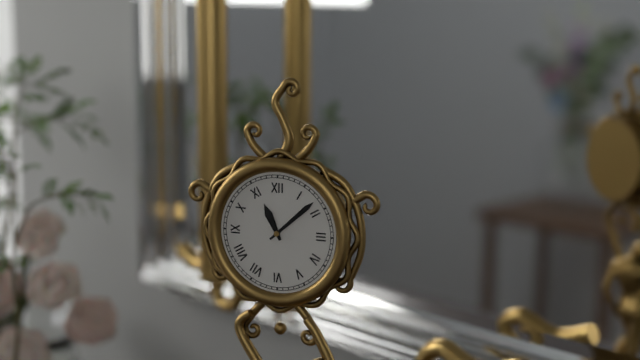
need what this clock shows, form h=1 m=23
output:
h=11 m=8
